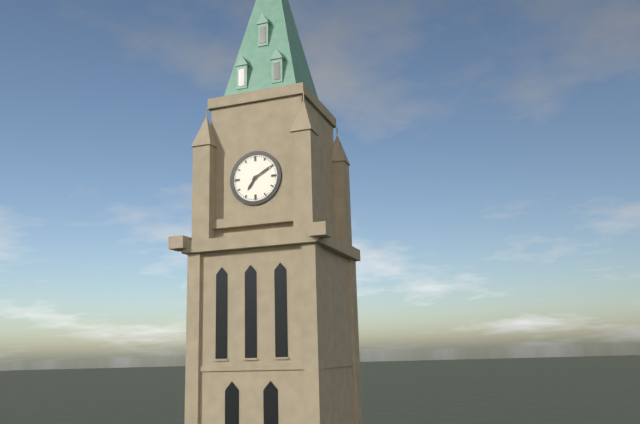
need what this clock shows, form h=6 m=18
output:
h=7 m=10
